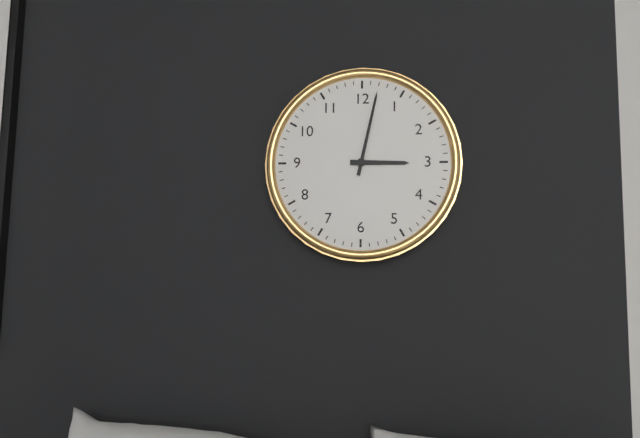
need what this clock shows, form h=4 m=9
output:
h=3 m=2
